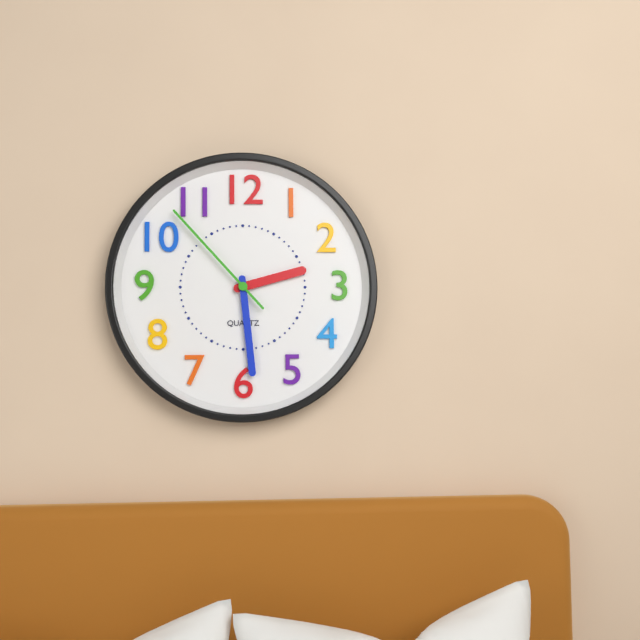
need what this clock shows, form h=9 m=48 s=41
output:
h=2 m=29 s=53
